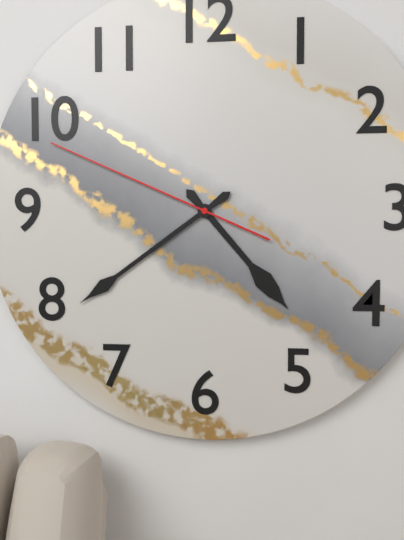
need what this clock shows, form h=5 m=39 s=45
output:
h=4 m=39 s=49
